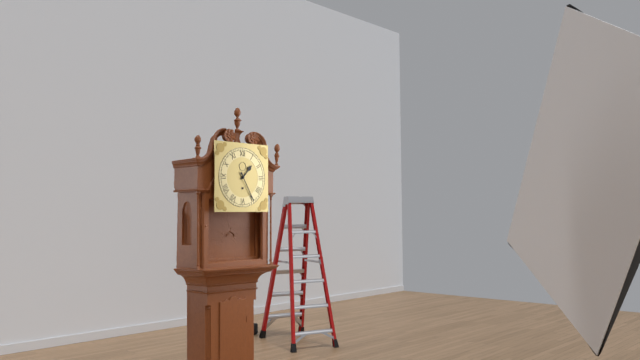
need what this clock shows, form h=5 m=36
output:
h=1 m=25
